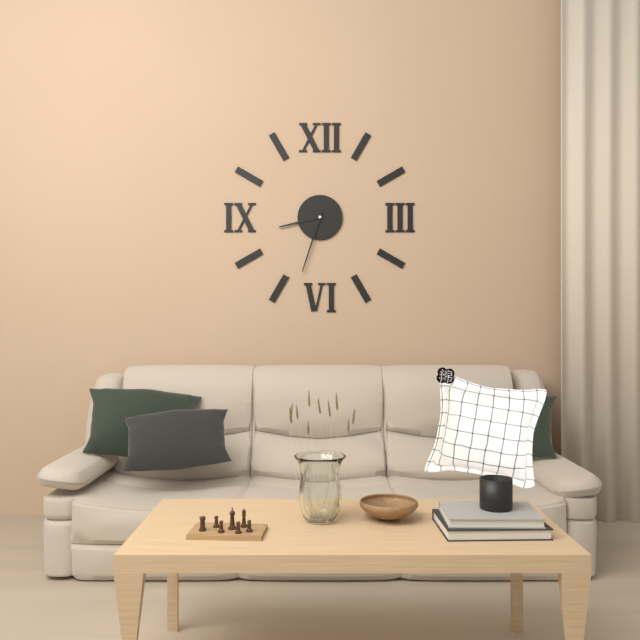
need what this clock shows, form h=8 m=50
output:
h=8 m=33
